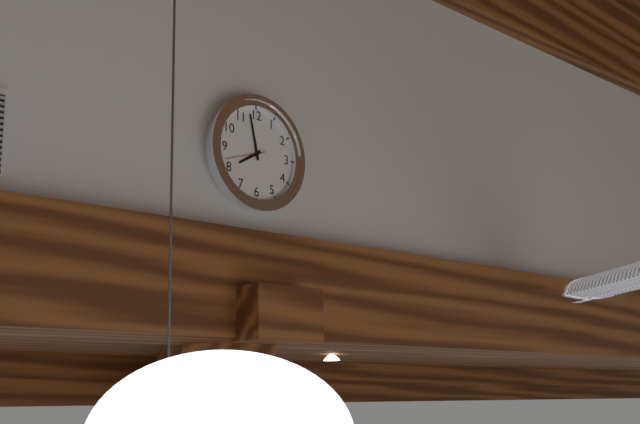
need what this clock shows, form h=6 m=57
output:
h=7 m=58
